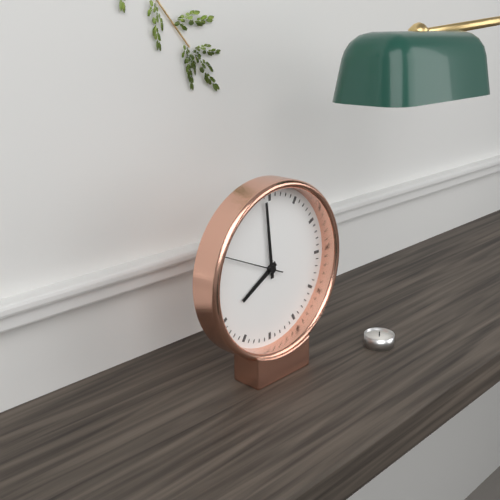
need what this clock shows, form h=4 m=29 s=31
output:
h=7 m=59 s=49
